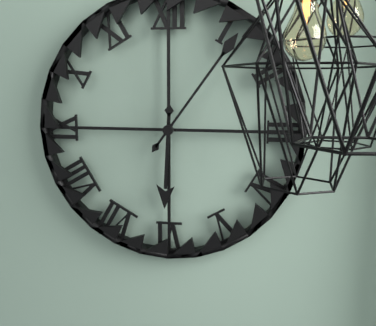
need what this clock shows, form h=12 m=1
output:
h=6 m=6
